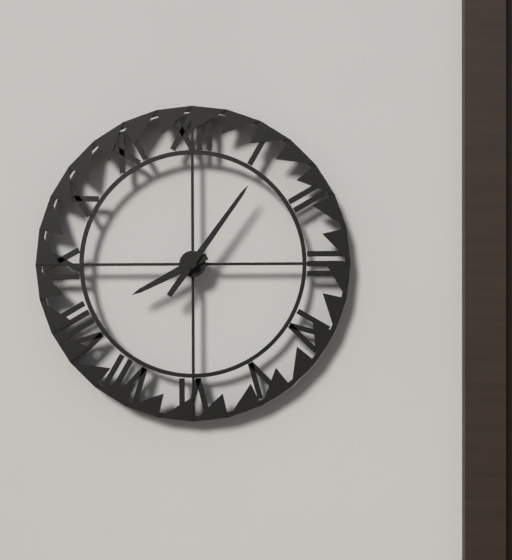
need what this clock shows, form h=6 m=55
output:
h=8 m=6
